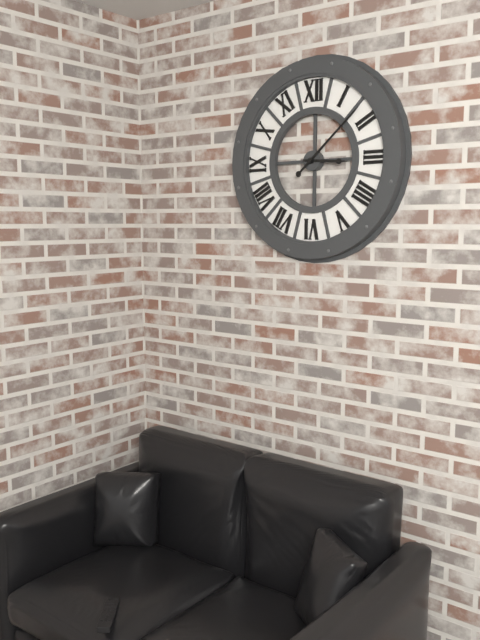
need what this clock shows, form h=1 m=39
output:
h=3 m=8
